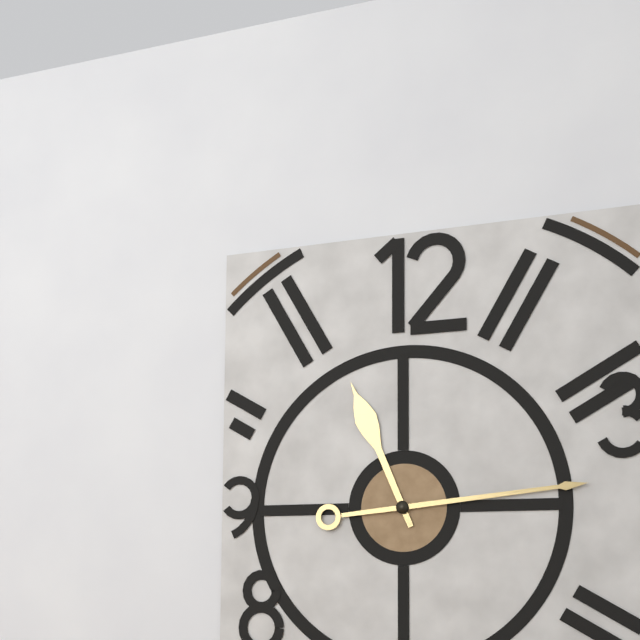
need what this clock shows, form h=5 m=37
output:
h=11 m=14
